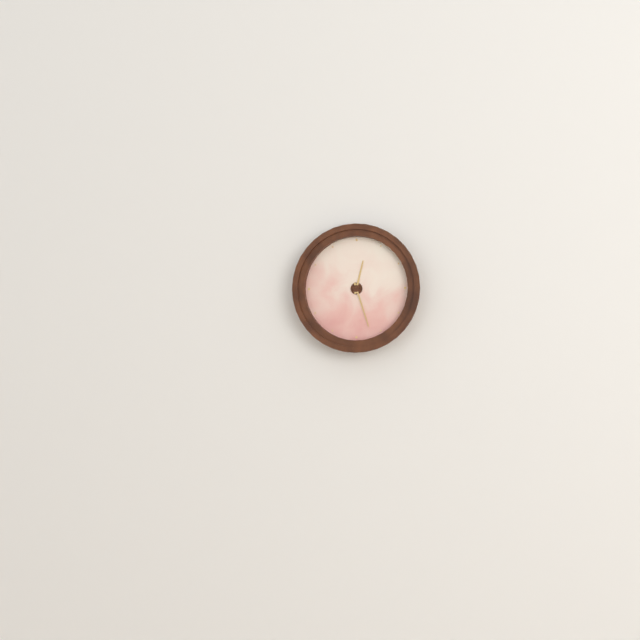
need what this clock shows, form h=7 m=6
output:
h=12 m=27
